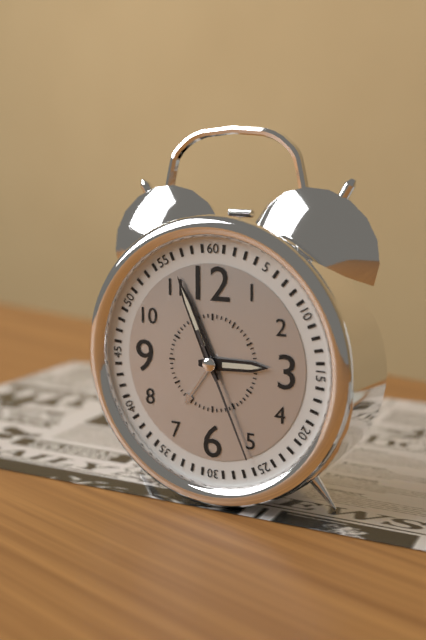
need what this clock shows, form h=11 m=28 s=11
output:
h=2 m=56 s=26
